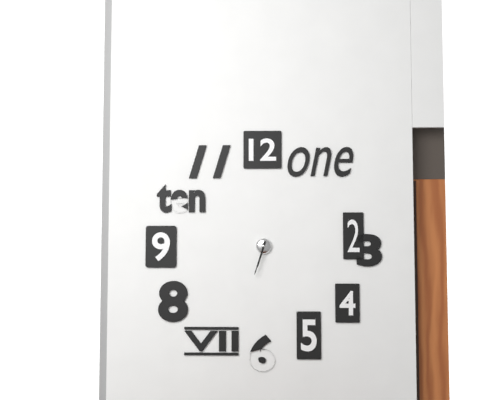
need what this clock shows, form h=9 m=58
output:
h=6 m=33
